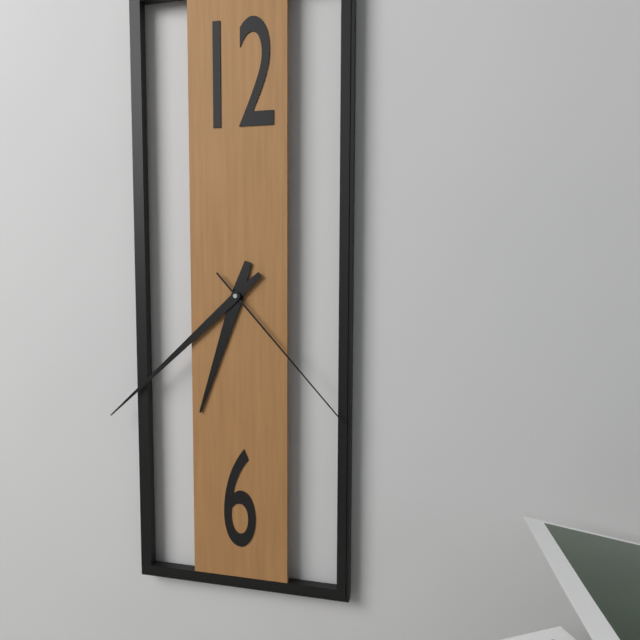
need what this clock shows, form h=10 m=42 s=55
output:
h=6 m=38 s=23
